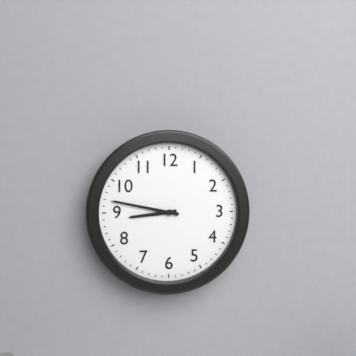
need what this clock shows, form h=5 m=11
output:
h=8 m=47
